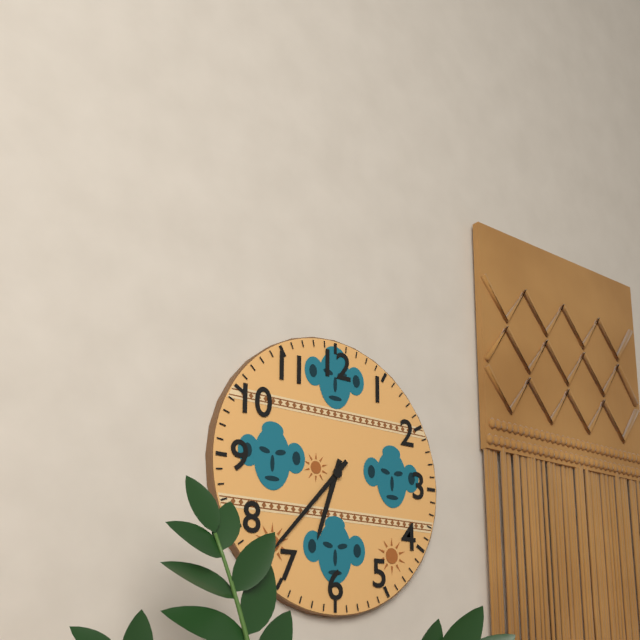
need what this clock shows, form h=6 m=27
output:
h=6 m=37
